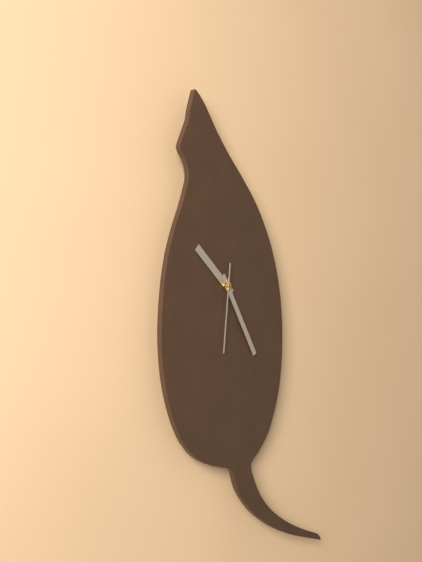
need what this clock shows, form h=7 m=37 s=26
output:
h=10 m=25 s=31
